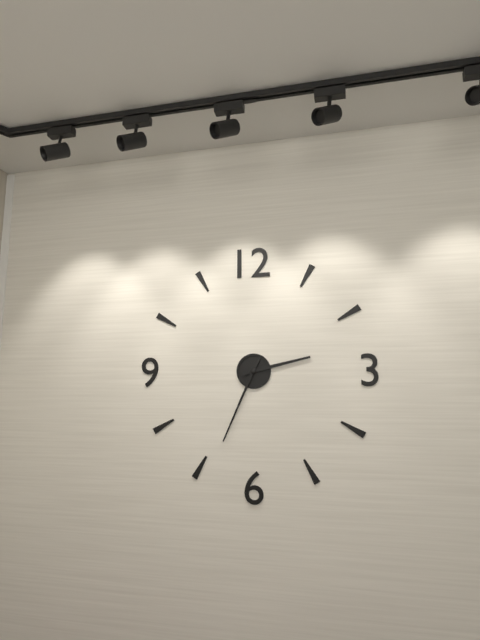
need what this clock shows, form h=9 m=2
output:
h=2 m=34
